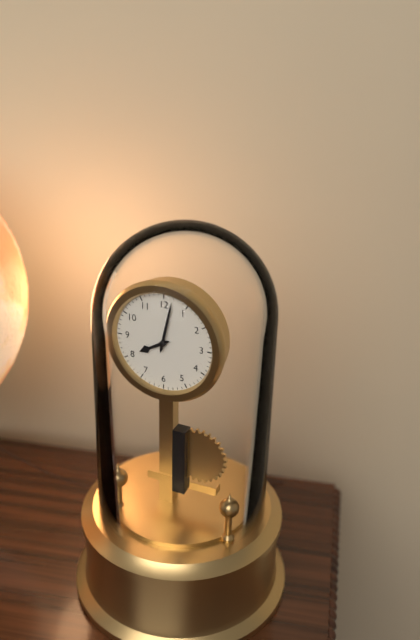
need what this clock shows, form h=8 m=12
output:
h=8 m=2
